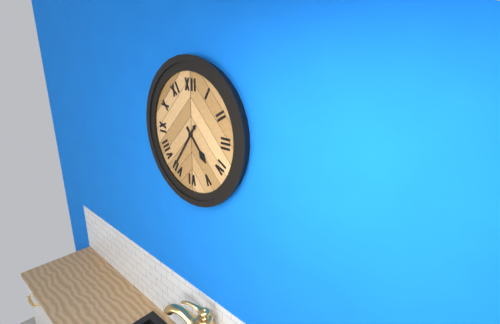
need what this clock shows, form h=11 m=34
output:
h=4 m=36
